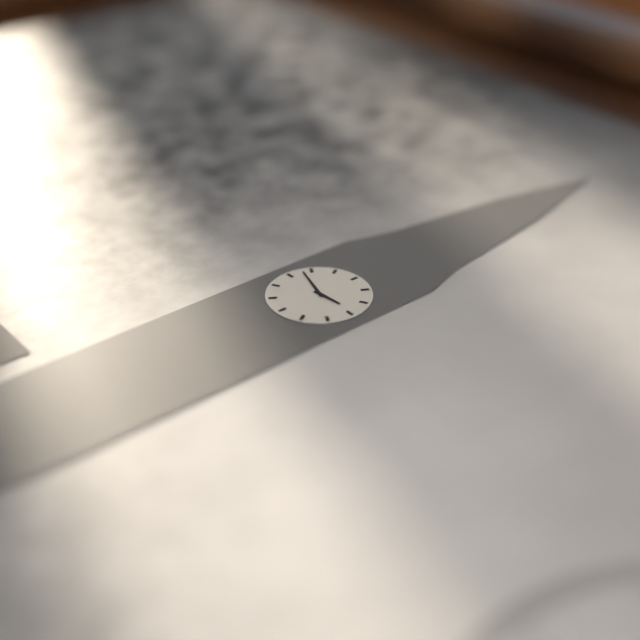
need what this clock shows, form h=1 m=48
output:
h=2 m=48
